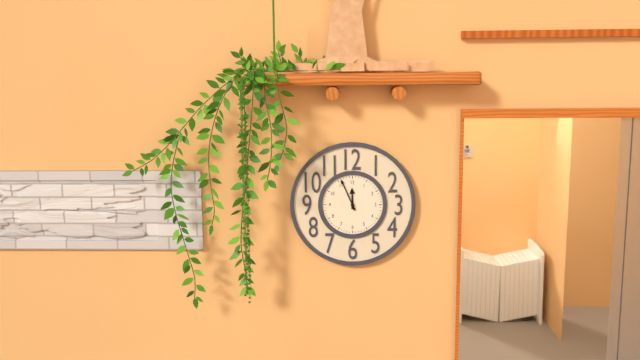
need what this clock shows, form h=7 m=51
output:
h=11 m=56
